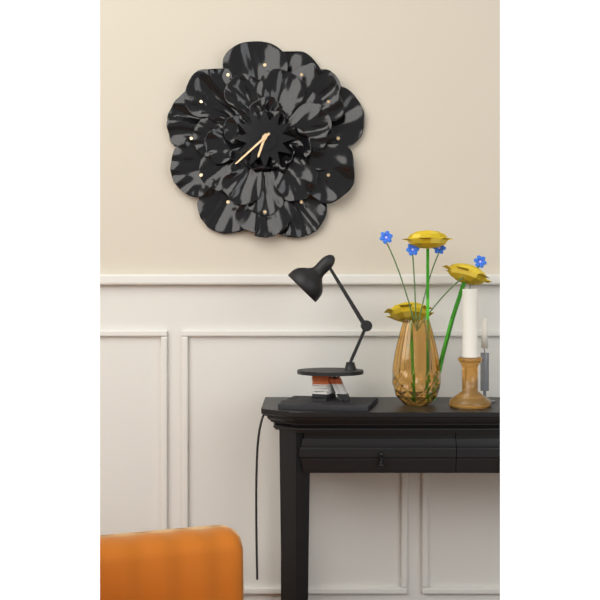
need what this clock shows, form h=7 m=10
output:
h=6 m=38
